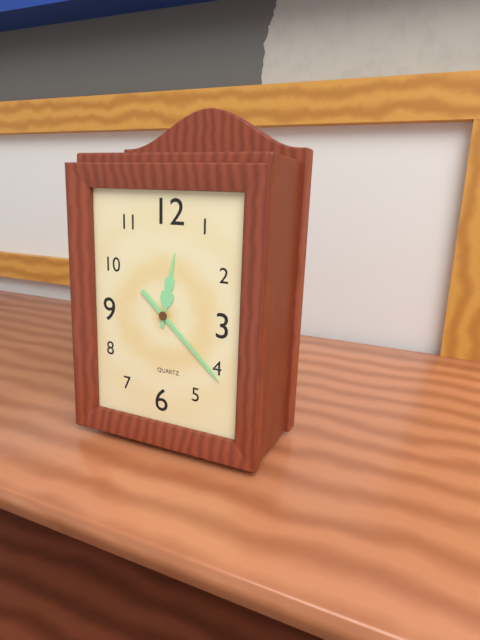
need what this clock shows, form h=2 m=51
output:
h=12 m=22
